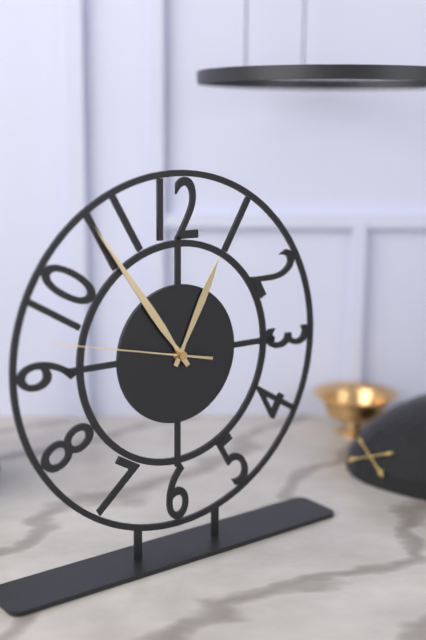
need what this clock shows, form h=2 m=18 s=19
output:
h=12 m=54 s=47
